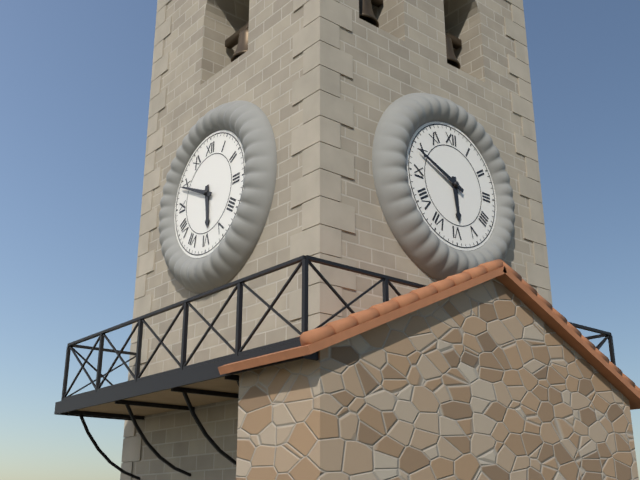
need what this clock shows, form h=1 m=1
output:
h=5 m=49
